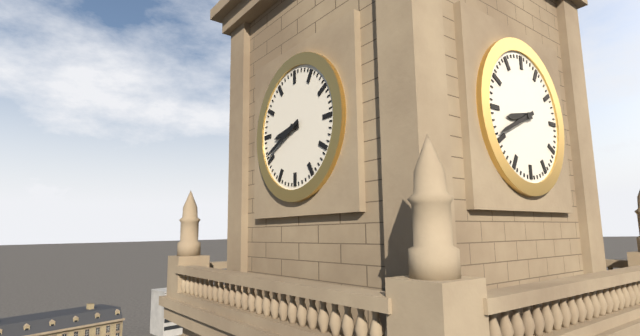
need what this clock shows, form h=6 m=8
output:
h=8 m=41
